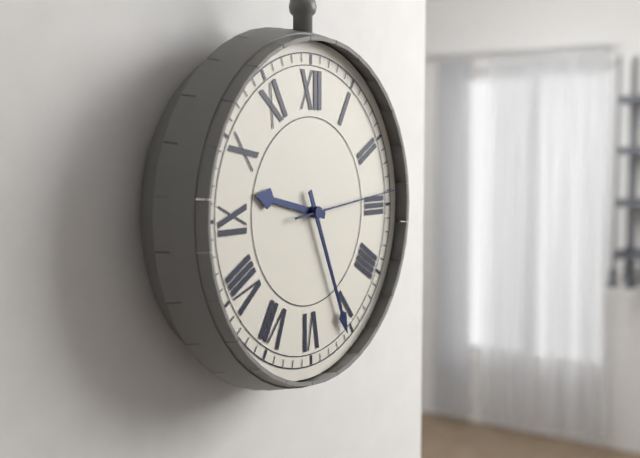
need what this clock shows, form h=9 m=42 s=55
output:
h=9 m=26 s=14
